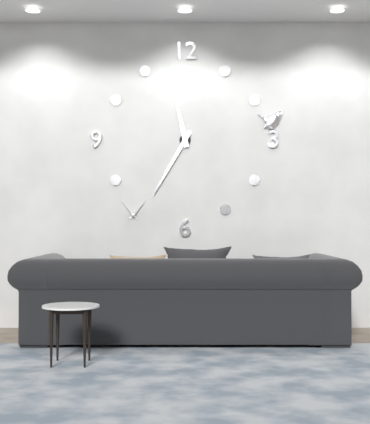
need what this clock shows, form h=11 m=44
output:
h=11 m=35
